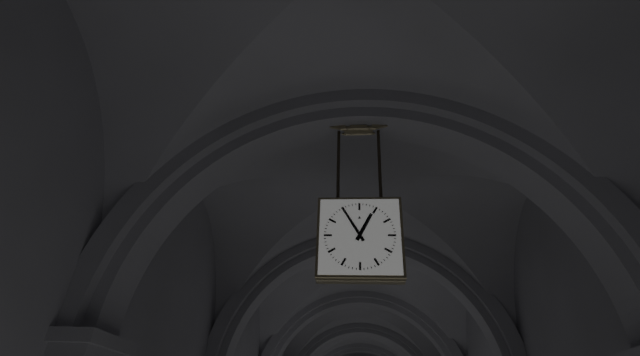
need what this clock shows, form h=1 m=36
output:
h=12 m=55
